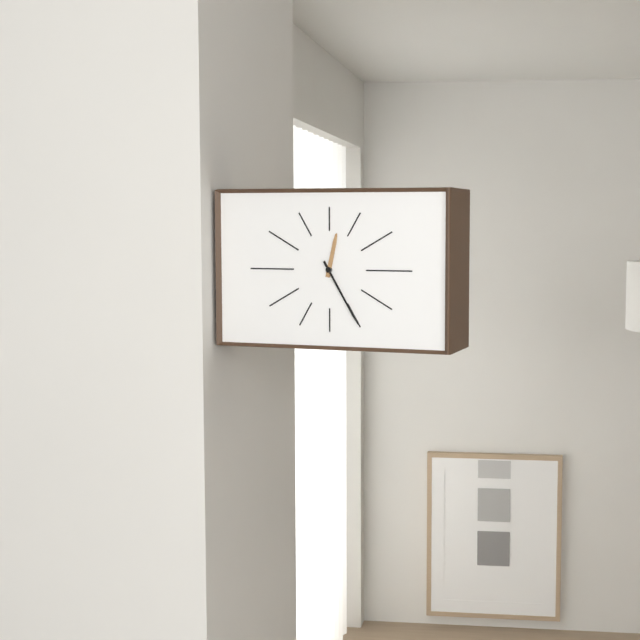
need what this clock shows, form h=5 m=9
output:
h=12 m=25
